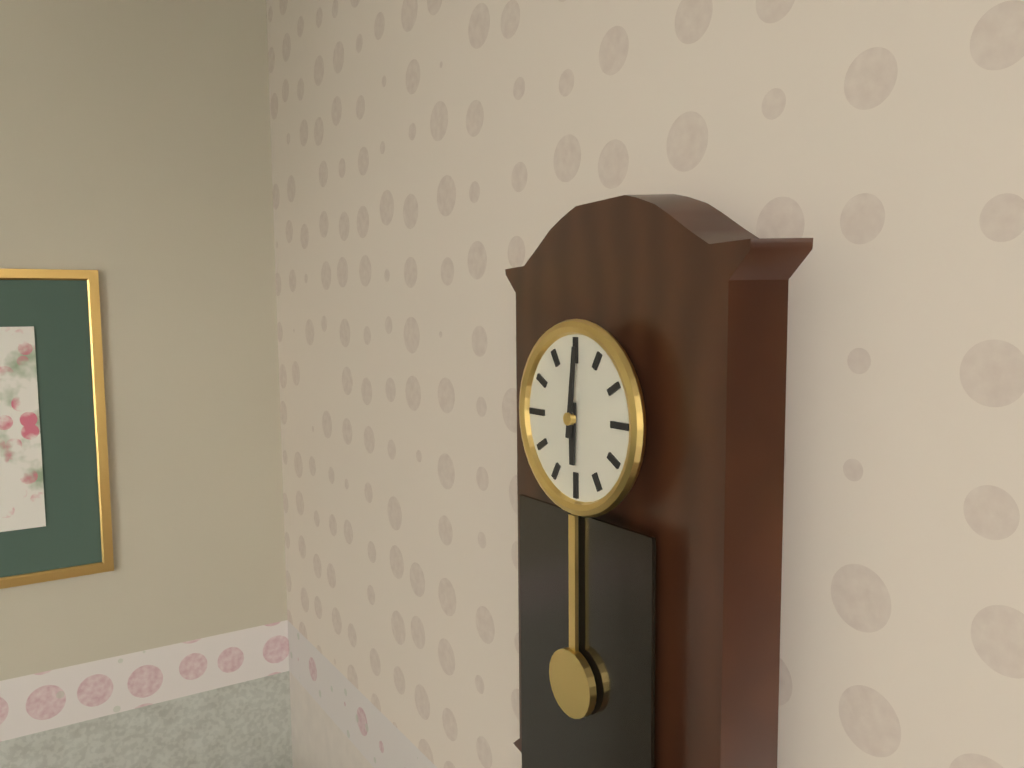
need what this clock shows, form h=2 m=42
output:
h=6 m=1
